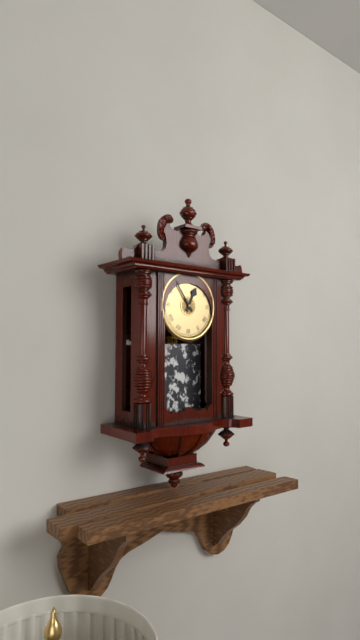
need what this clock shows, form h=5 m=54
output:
h=12 m=54
